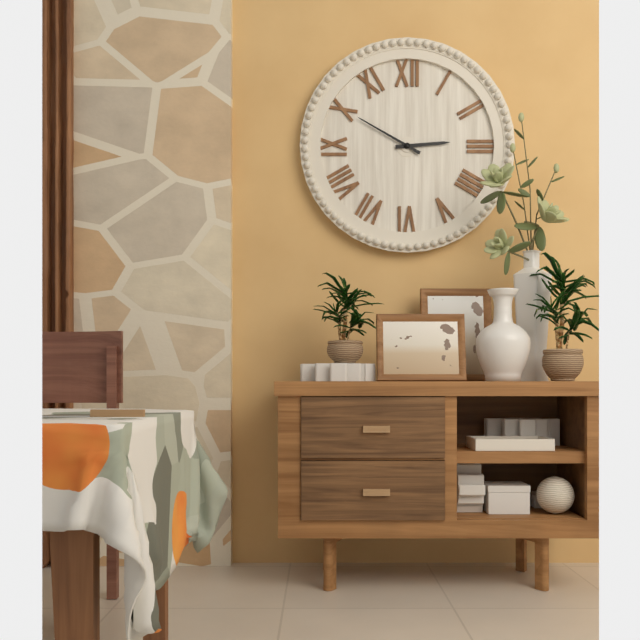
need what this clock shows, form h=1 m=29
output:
h=2 m=50
